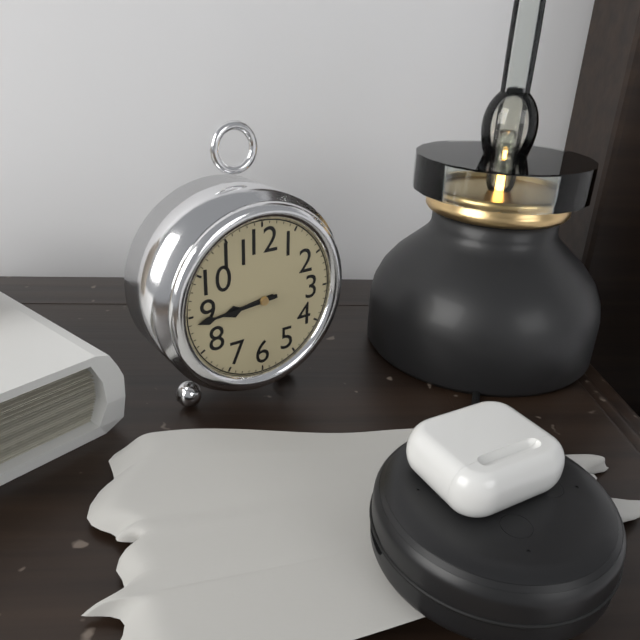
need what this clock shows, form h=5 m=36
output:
h=8 m=44
